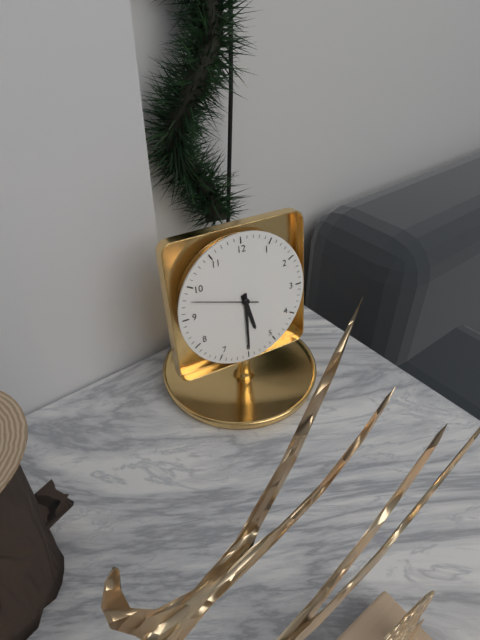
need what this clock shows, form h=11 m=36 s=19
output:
h=5 m=30 s=48
